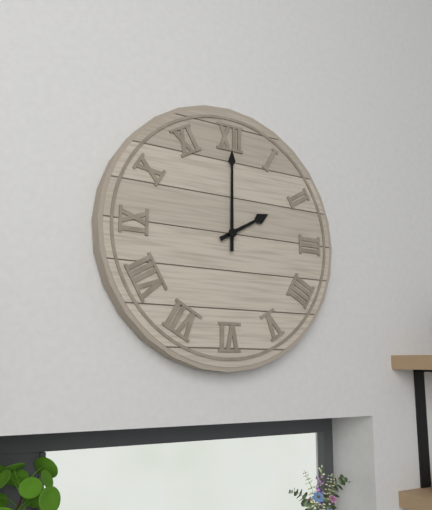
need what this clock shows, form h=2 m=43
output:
h=2 m=0
